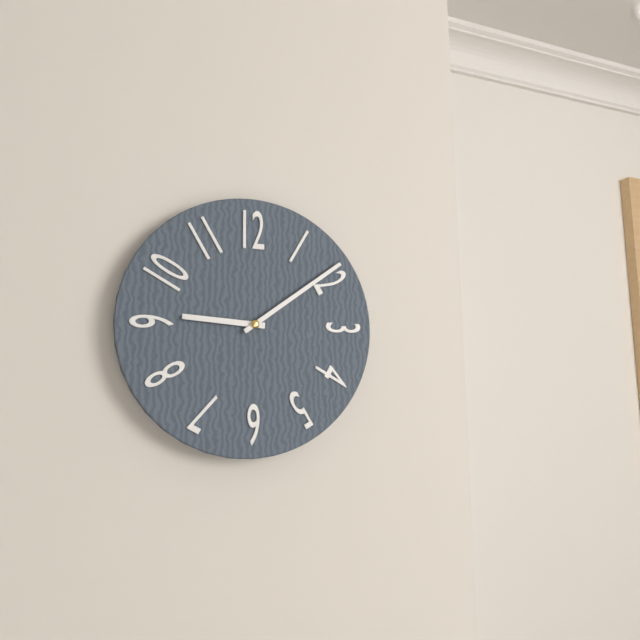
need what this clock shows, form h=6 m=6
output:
h=9 m=9
